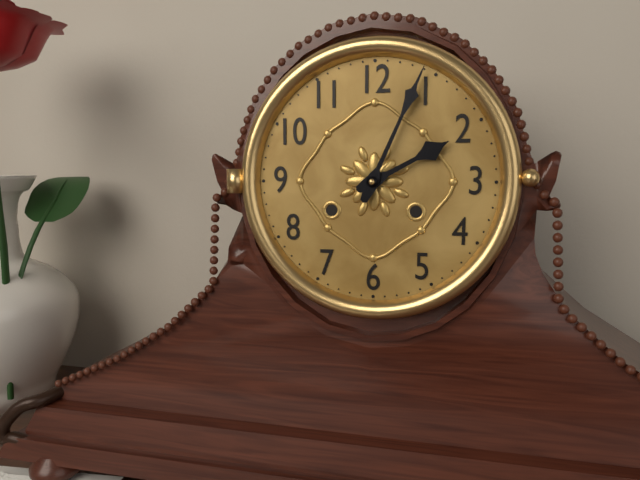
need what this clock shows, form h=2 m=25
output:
h=2 m=4
